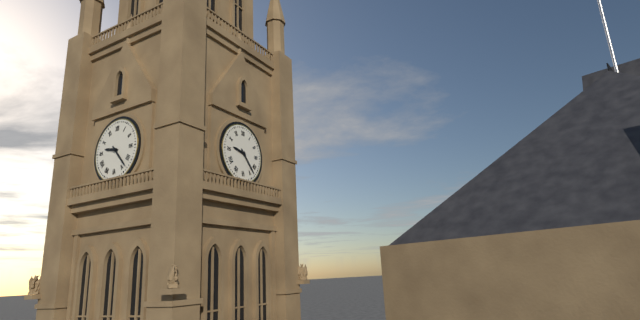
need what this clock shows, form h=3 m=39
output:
h=9 m=23
